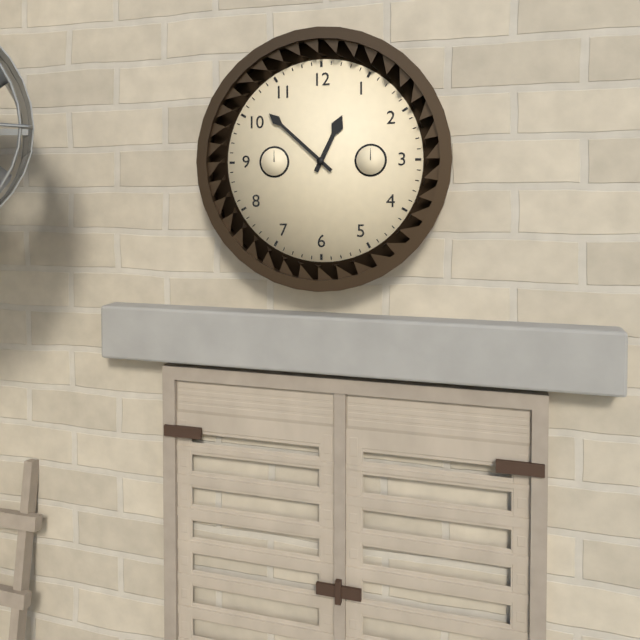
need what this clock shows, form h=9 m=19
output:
h=12 m=52
